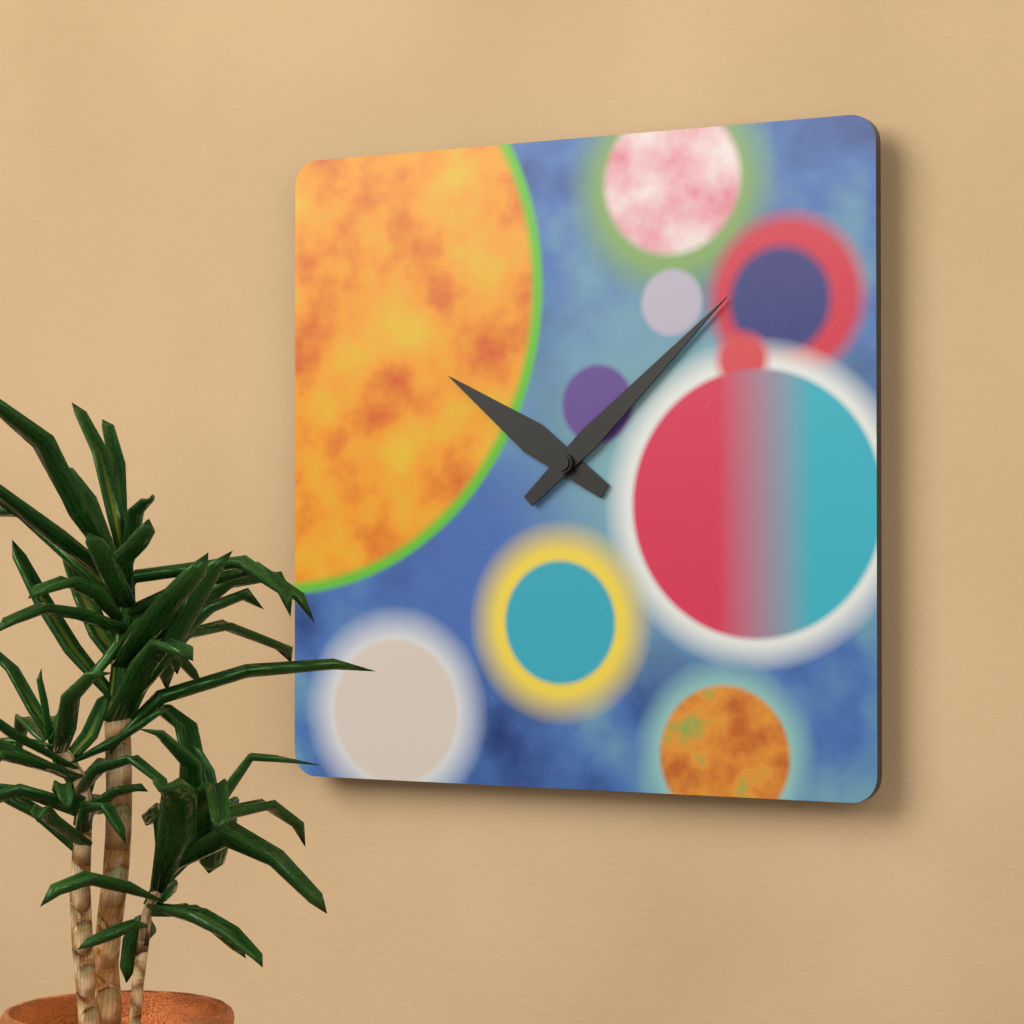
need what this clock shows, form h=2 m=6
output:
h=10 m=8
